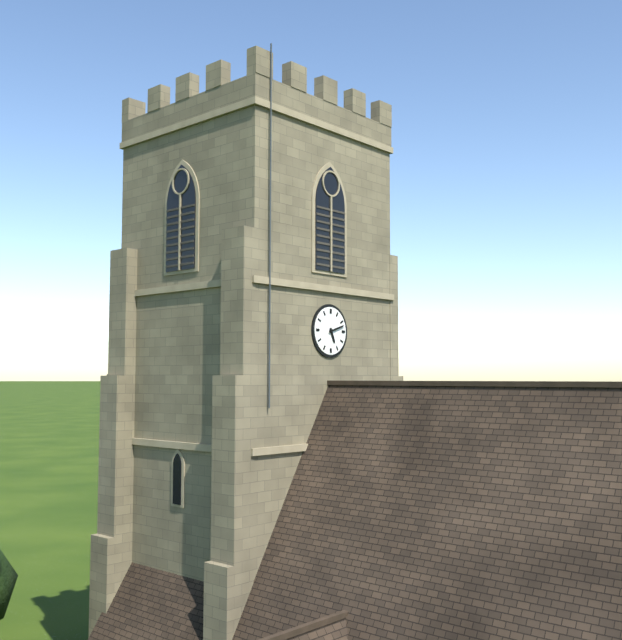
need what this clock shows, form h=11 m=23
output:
h=5 m=12
